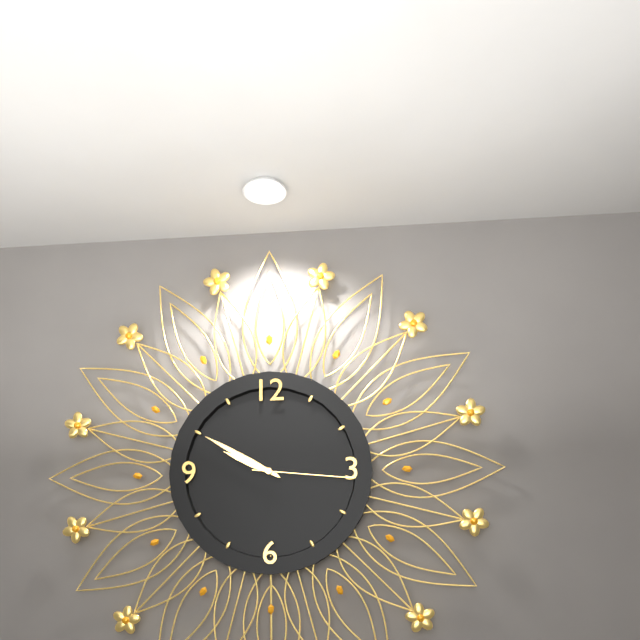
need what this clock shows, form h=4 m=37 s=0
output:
h=9 m=50 s=16
